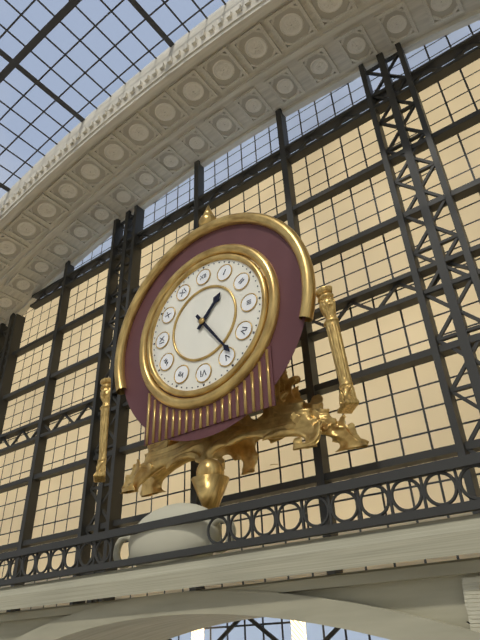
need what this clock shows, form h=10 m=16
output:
h=1 m=24
